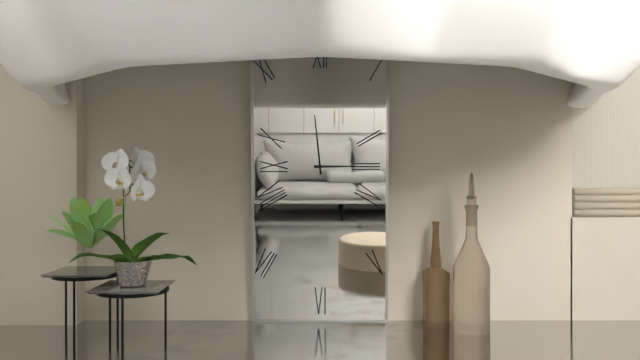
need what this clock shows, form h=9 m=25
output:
h=2 m=59
